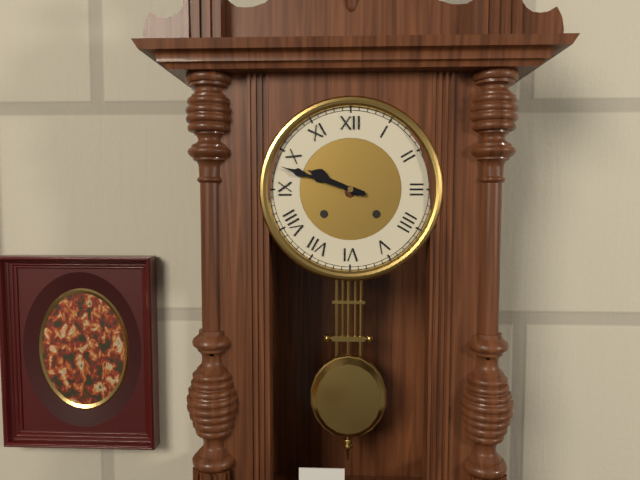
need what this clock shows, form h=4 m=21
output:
h=9 m=48
